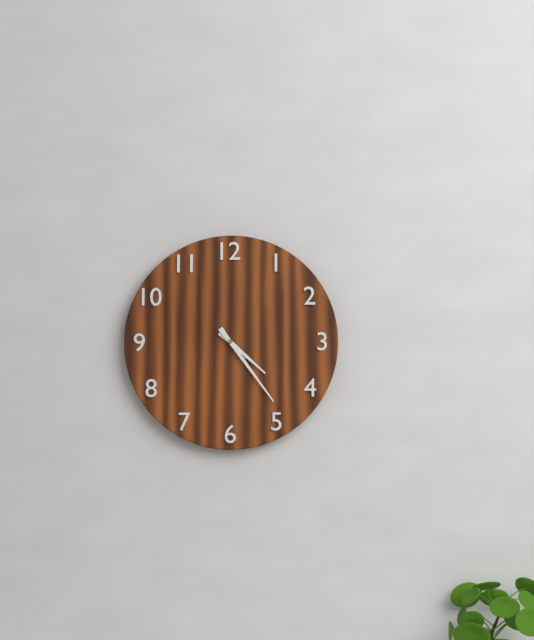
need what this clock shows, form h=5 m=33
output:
h=4 m=24
